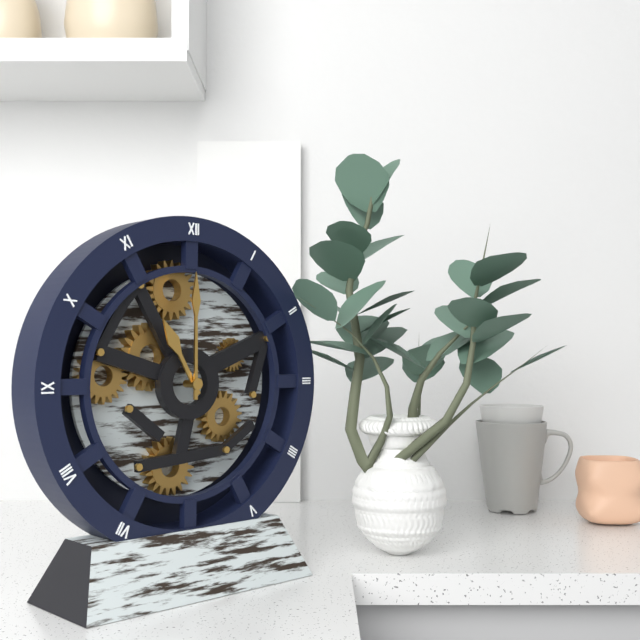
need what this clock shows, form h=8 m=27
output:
h=11 m=0
